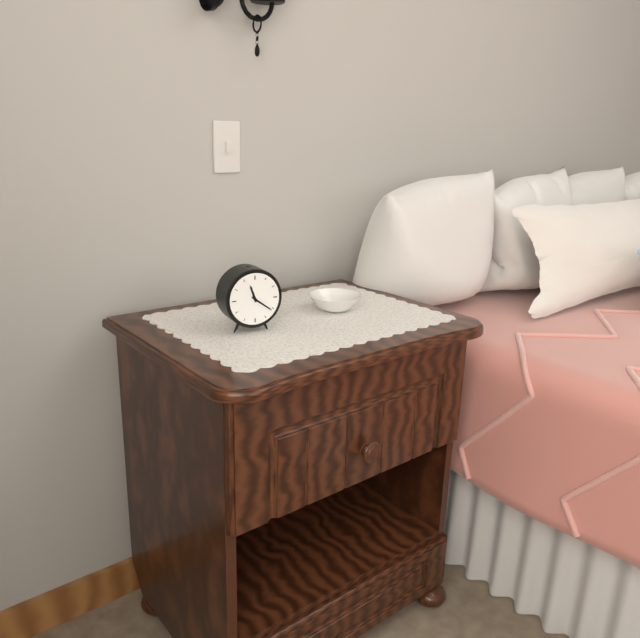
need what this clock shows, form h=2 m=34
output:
h=11 m=21
